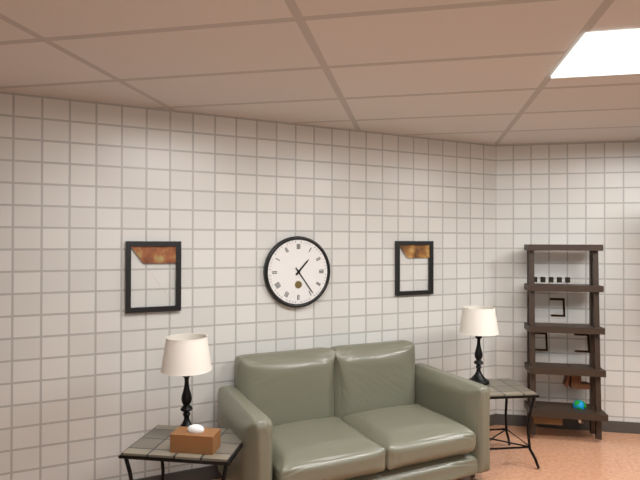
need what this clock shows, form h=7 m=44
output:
h=1 m=24
